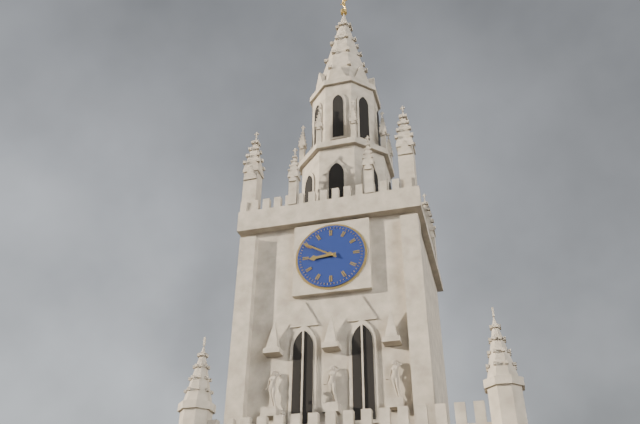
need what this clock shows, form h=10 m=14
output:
h=8 m=50
